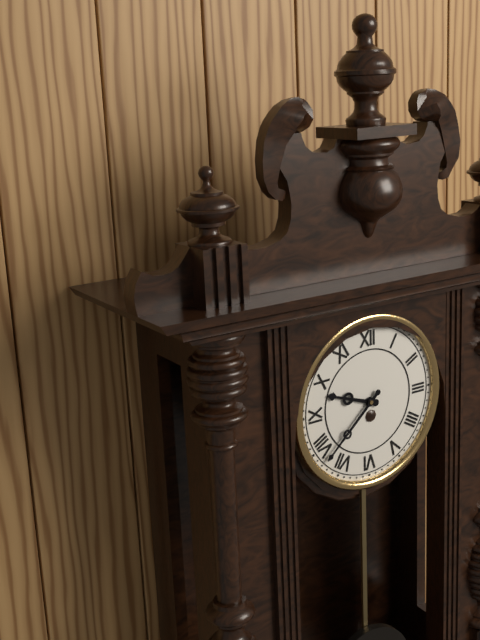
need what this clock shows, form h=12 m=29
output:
h=9 m=38
